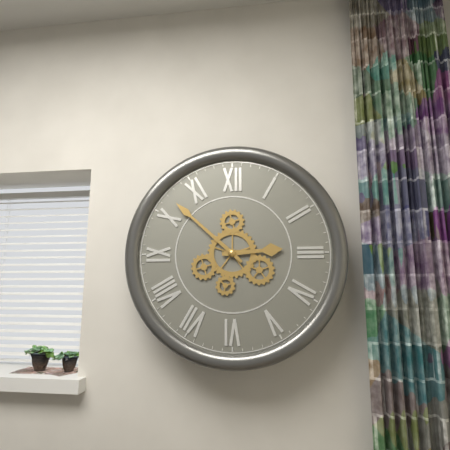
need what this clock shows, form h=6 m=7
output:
h=2 m=52
